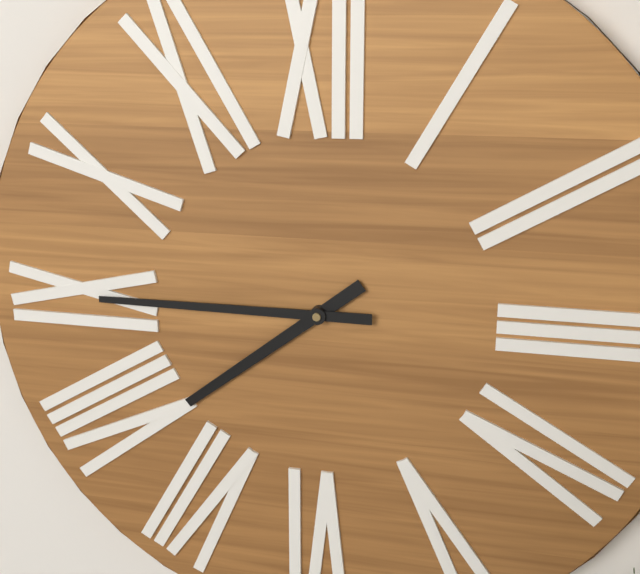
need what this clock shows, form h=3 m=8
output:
h=7 m=45
